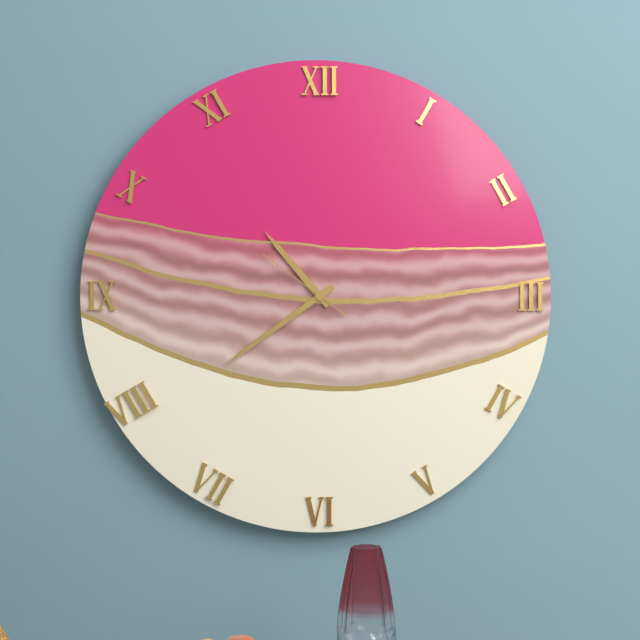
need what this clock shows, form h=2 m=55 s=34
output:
h=10 m=39 s=51
